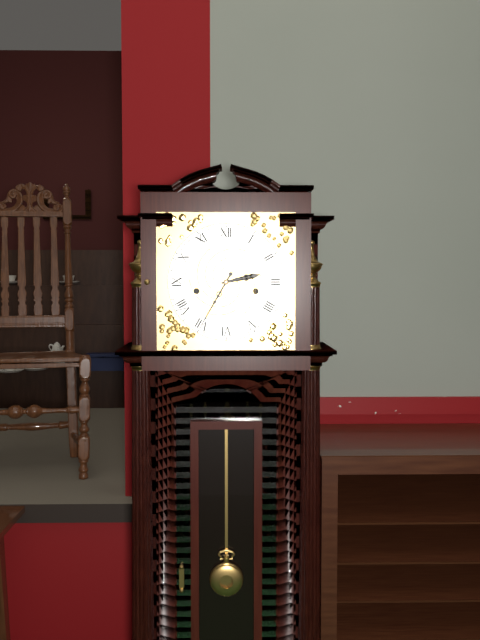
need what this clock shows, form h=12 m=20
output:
h=2 m=35
